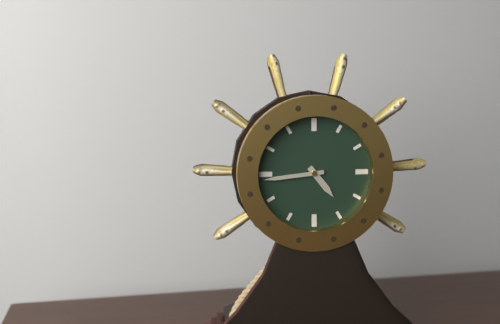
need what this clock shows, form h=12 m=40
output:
h=4 m=44
